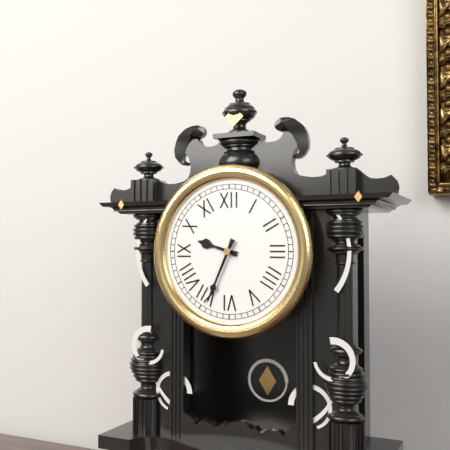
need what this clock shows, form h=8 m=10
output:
h=9 m=34
